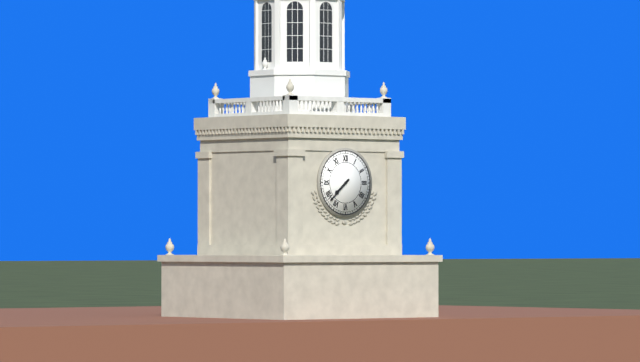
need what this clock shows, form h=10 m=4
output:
h=7 m=38
